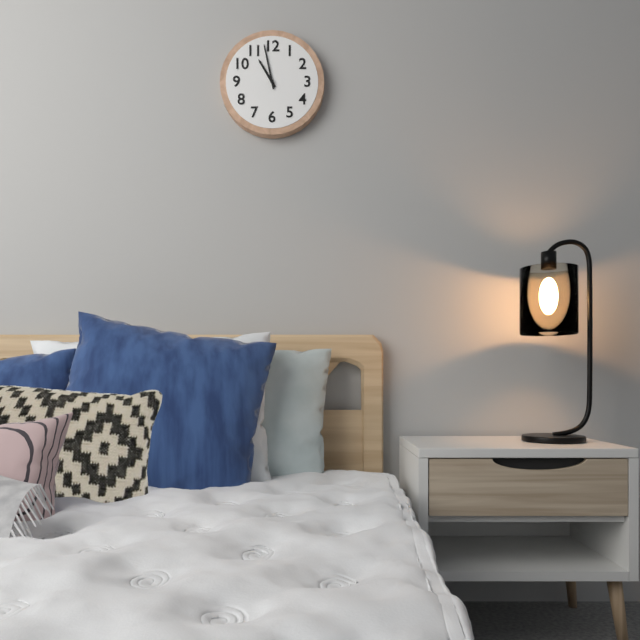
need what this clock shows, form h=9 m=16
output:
h=10 m=58
